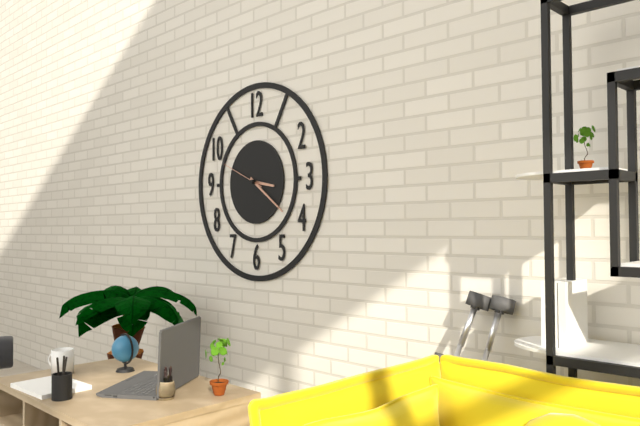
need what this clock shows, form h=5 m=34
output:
h=3 m=21
